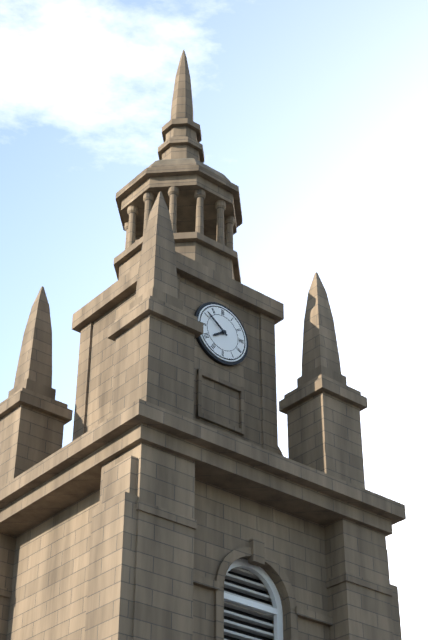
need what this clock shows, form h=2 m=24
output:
h=7 m=51
